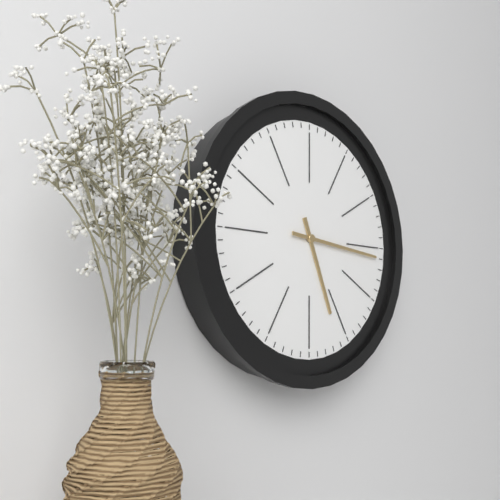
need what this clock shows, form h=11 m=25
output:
h=5 m=16
